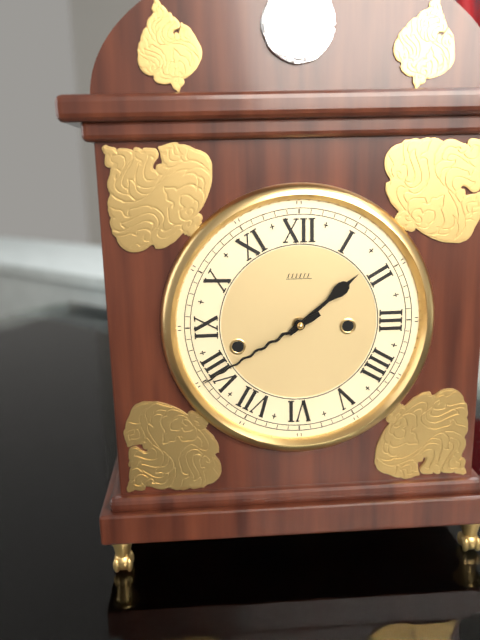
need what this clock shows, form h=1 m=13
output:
h=1 m=40
